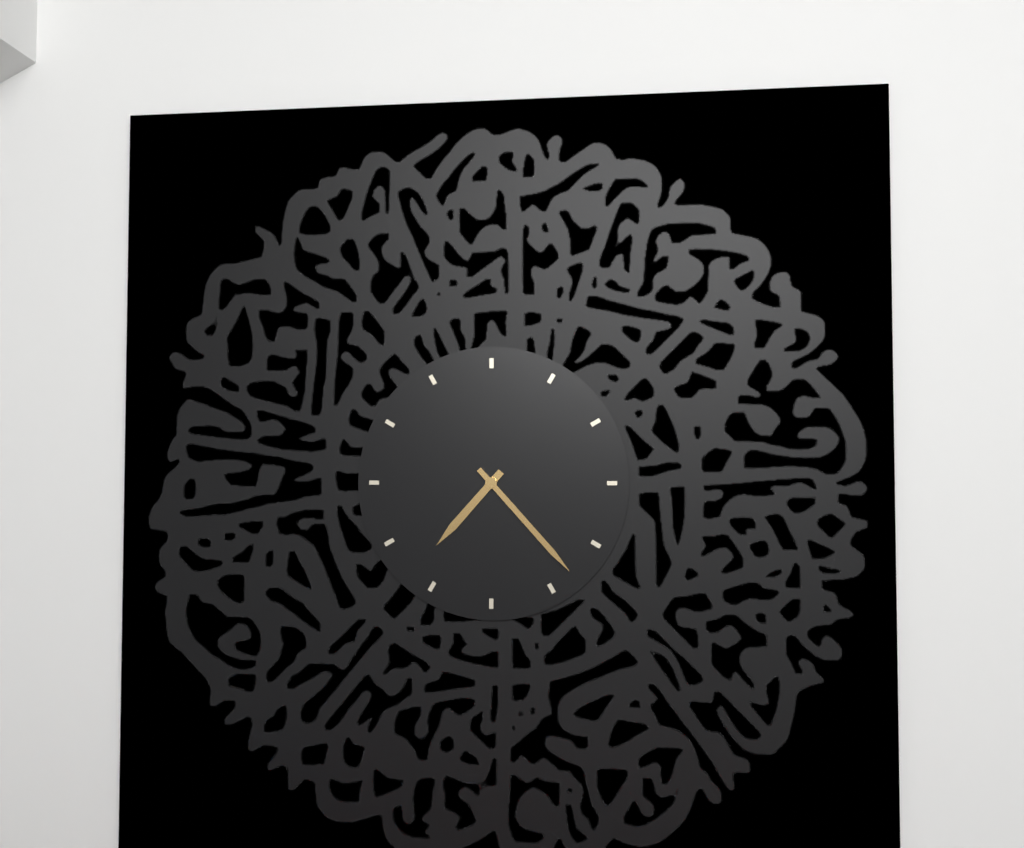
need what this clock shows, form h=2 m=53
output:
h=7 m=23
